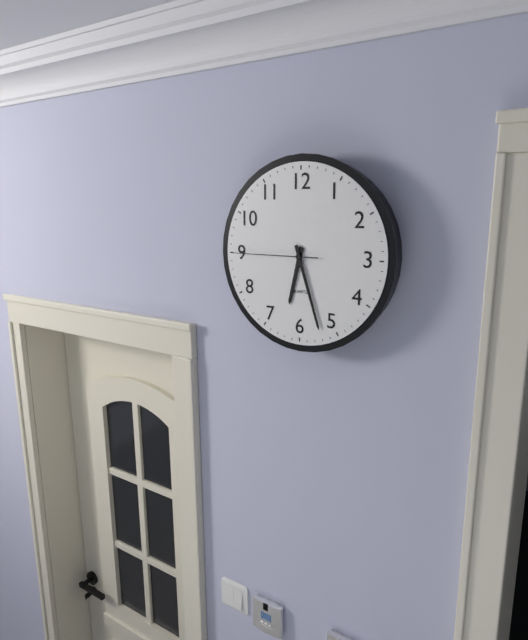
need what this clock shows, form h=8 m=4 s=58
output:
h=6 m=27 s=45
